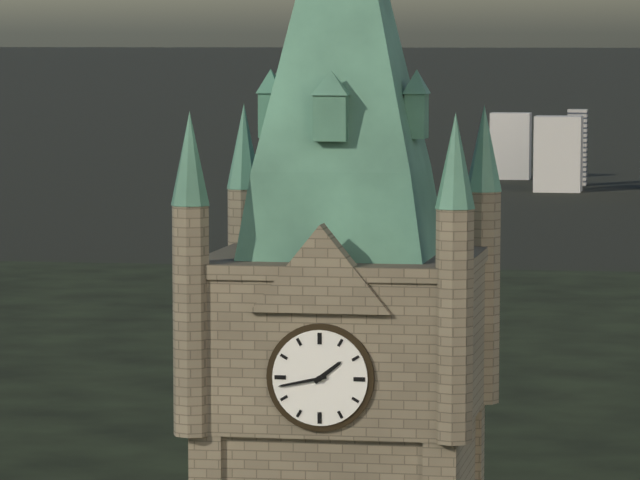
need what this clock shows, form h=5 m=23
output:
h=1 m=43
